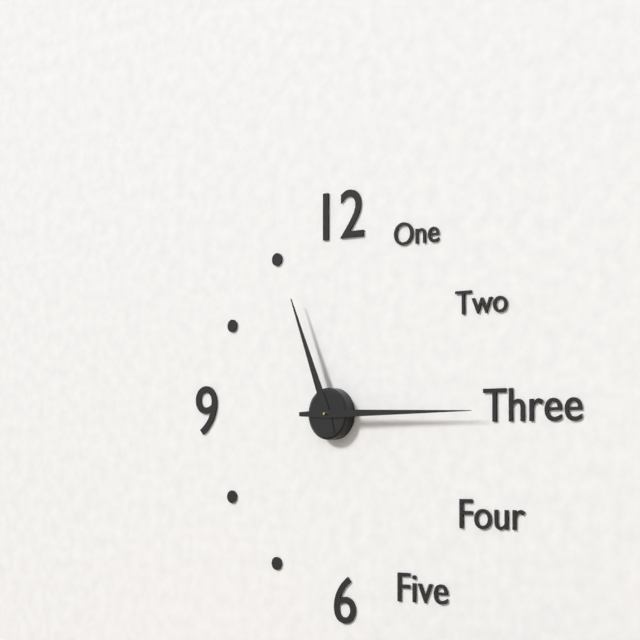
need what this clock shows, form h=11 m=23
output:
h=11 m=15
